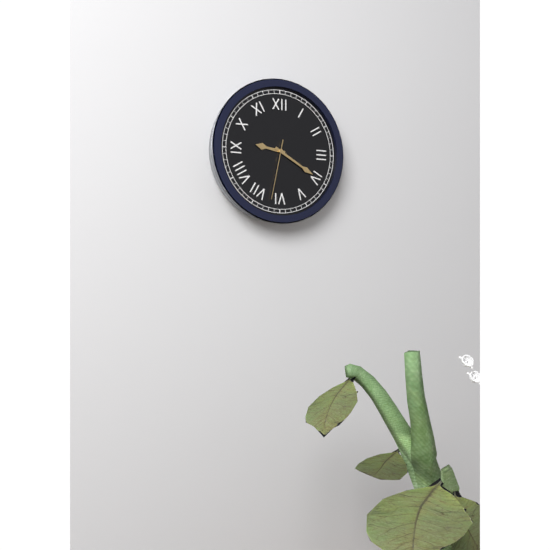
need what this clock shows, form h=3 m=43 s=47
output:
h=9 m=20 s=32
